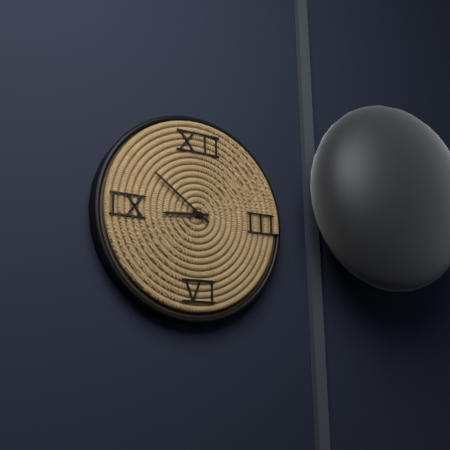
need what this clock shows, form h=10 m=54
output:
h=8 m=51
